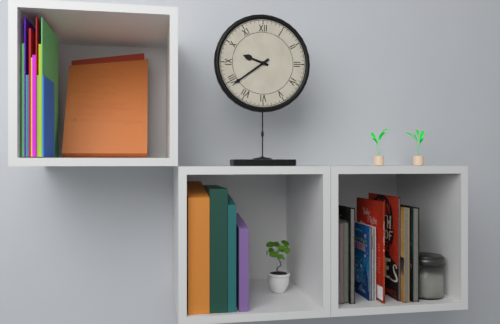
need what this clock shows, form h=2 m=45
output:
h=9 m=39
